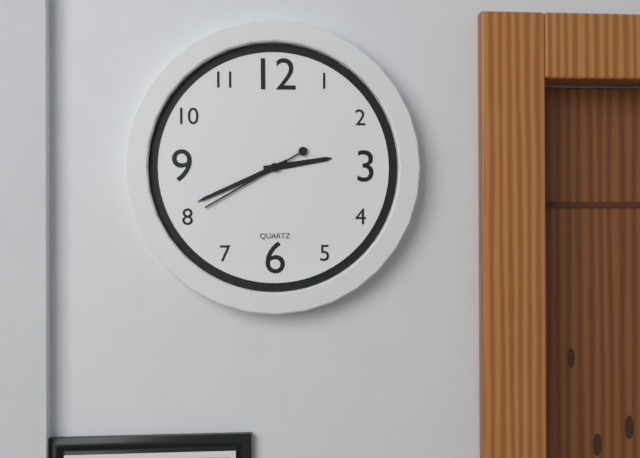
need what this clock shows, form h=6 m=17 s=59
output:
h=2 m=41 s=40
